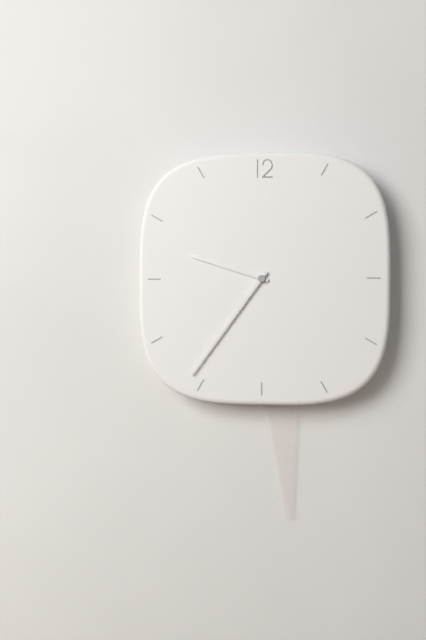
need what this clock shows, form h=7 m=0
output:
h=9 m=36
